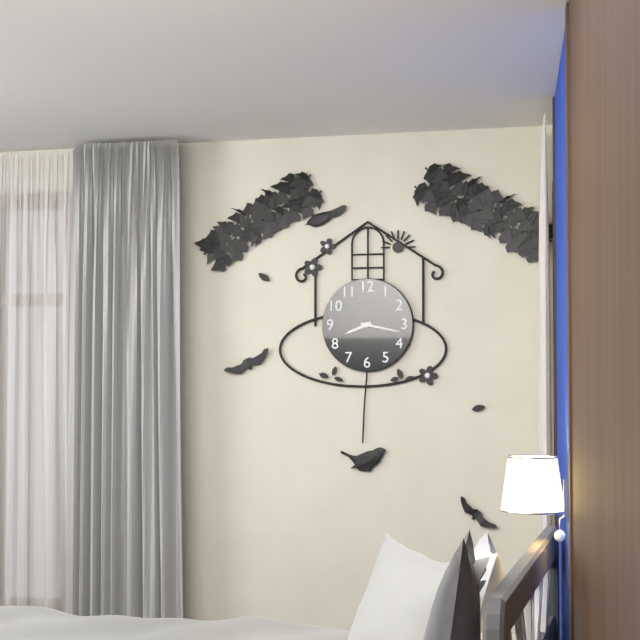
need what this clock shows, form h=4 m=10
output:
h=8 m=17
